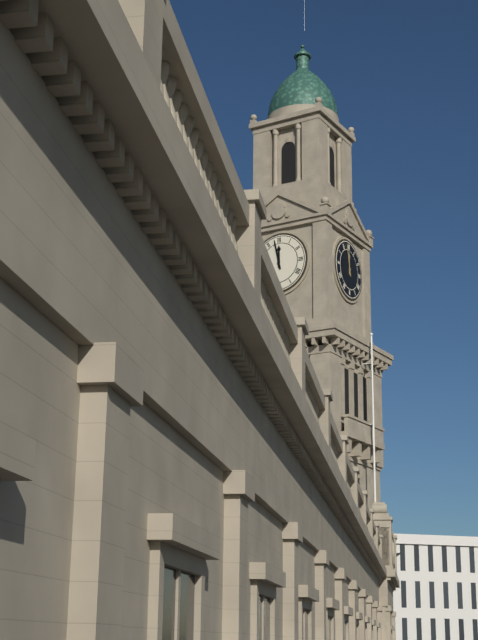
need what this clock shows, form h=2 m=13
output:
h=11 m=58
